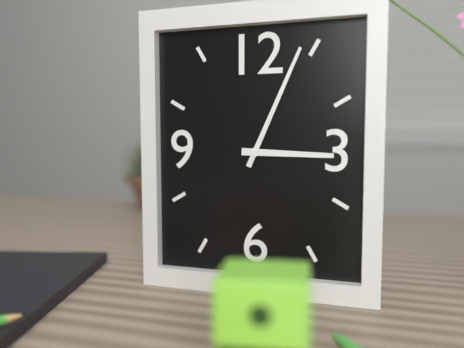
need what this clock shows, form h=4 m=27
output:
h=3 m=4
